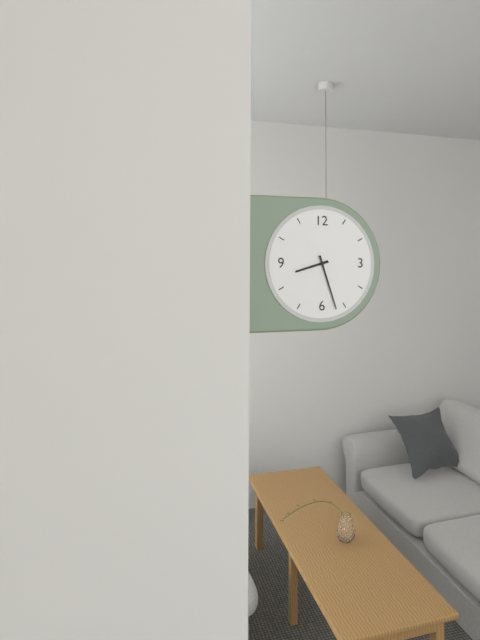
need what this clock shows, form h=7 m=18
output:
h=8 m=27
